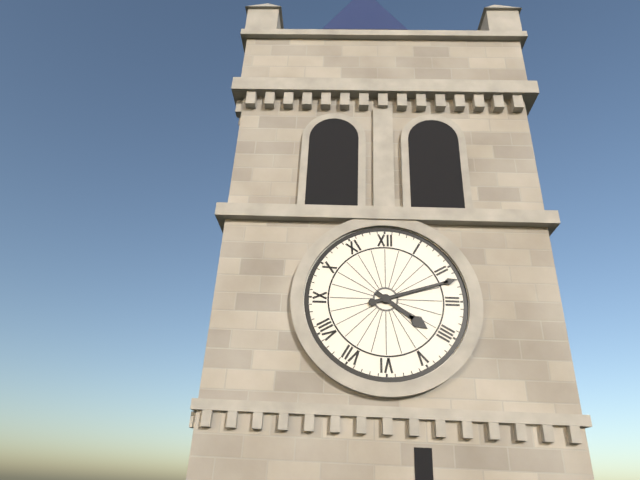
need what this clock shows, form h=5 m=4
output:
h=4 m=12
